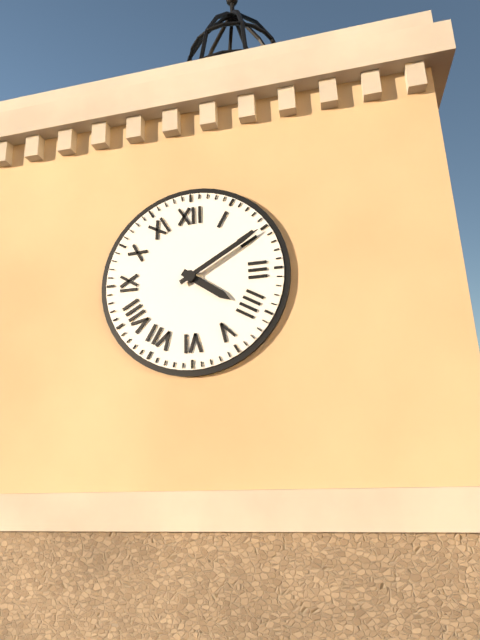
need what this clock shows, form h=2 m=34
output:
h=4 m=10
